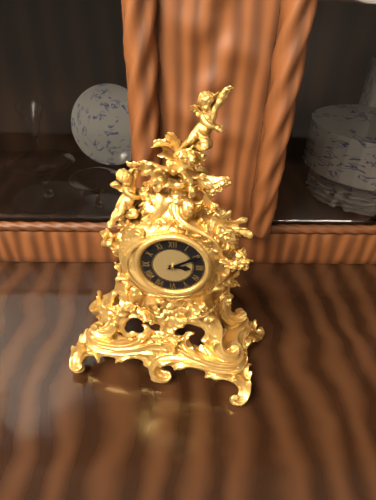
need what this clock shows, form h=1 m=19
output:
h=3 m=10
